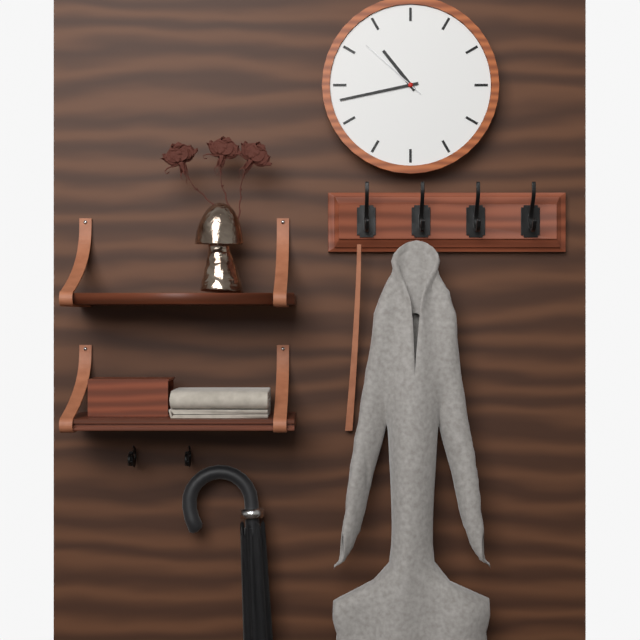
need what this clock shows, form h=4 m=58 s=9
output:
h=10 m=43 s=52
